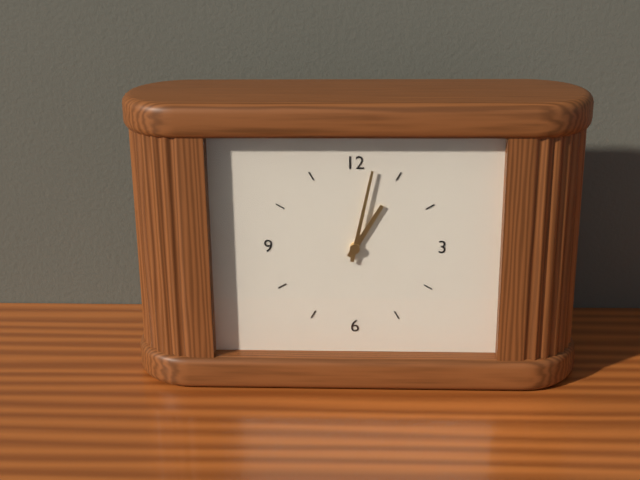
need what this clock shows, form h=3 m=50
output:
h=1 m=2
